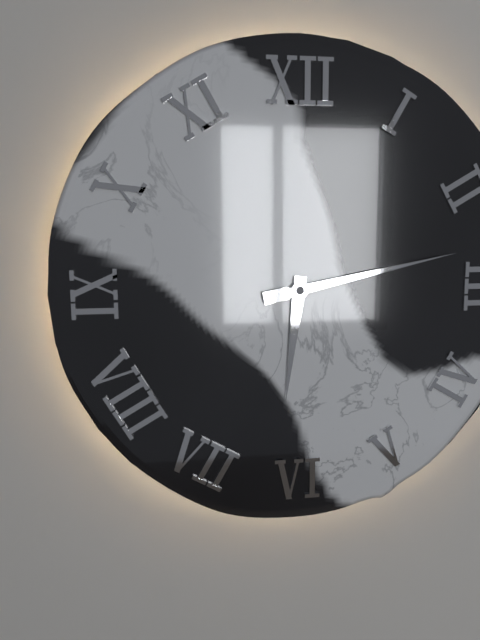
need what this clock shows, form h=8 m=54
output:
h=6 m=13
